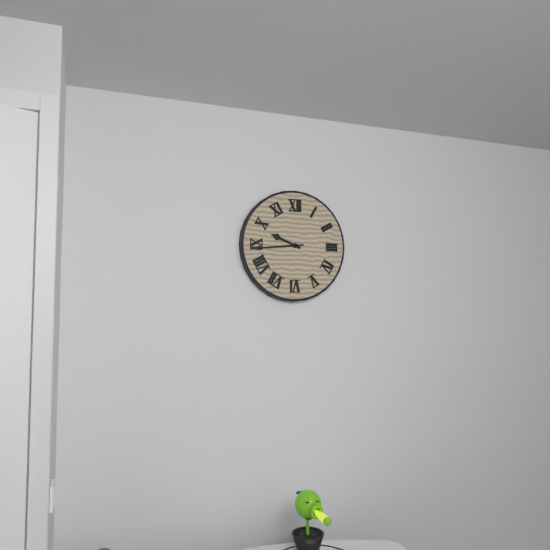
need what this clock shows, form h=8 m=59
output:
h=9 m=44
